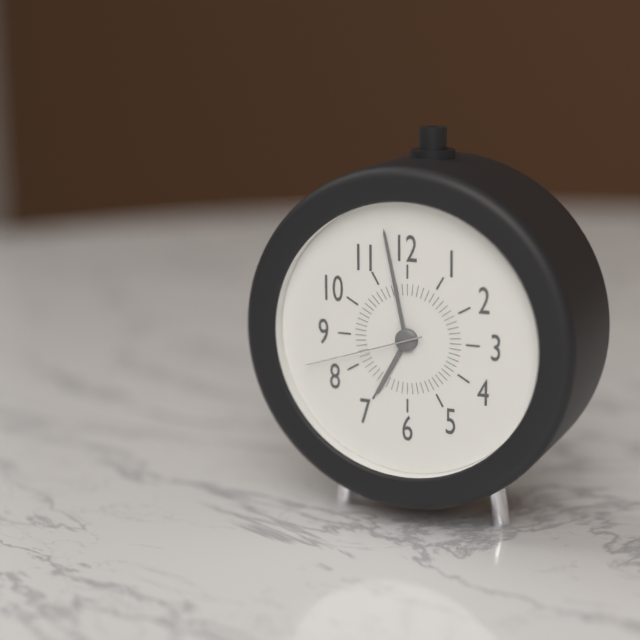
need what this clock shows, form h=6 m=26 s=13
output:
h=6 m=58 s=42
